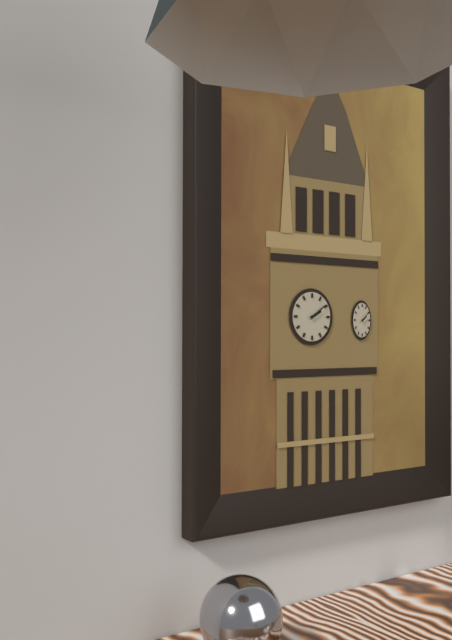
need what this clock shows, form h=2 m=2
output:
h=2 m=9
